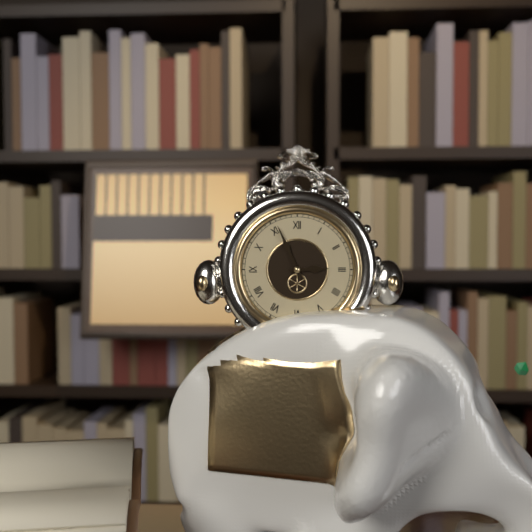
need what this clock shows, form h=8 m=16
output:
h=2 m=56
